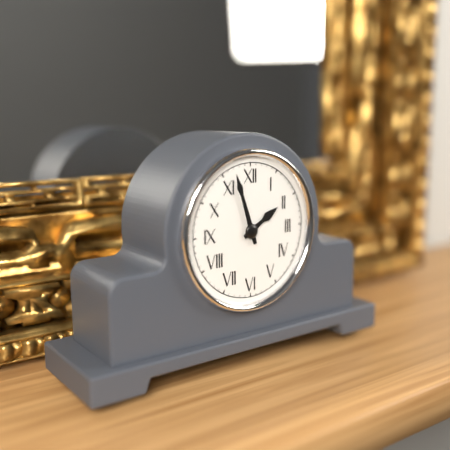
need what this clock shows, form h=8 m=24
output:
h=1 m=57
